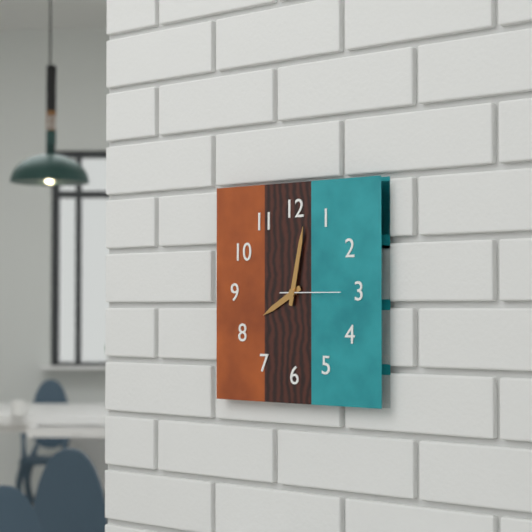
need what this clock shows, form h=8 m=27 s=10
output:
h=8 m=2 s=15
